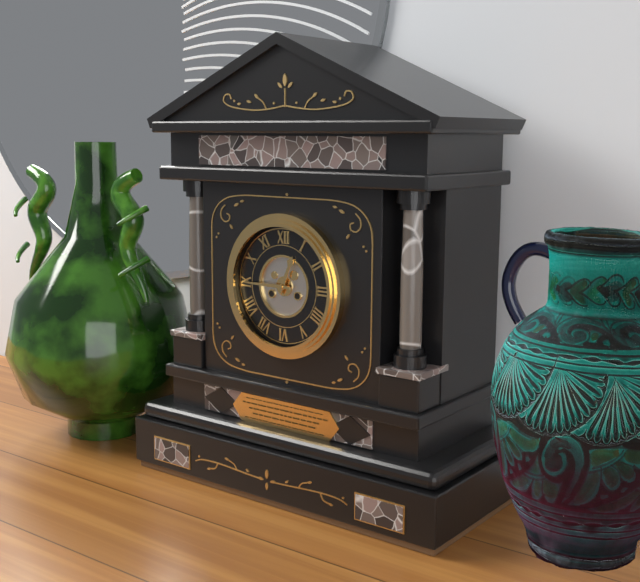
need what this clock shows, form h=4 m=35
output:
h=12 m=45
